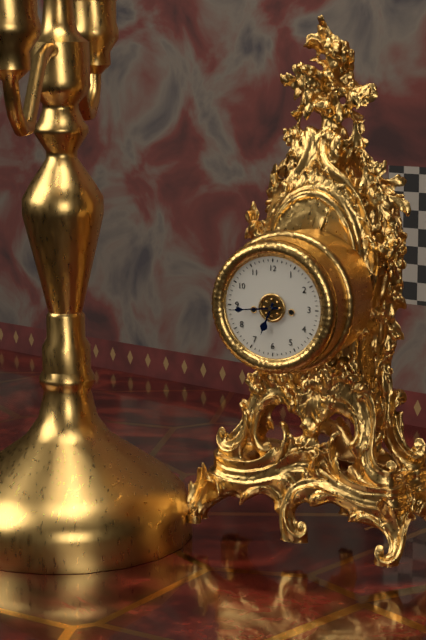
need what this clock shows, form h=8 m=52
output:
h=6 m=44
